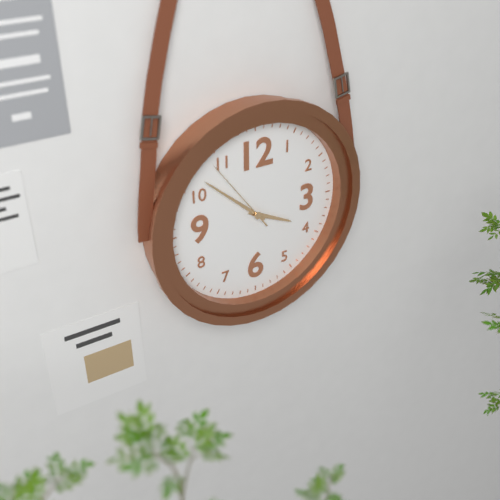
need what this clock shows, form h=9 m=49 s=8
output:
h=3 m=52 s=54
